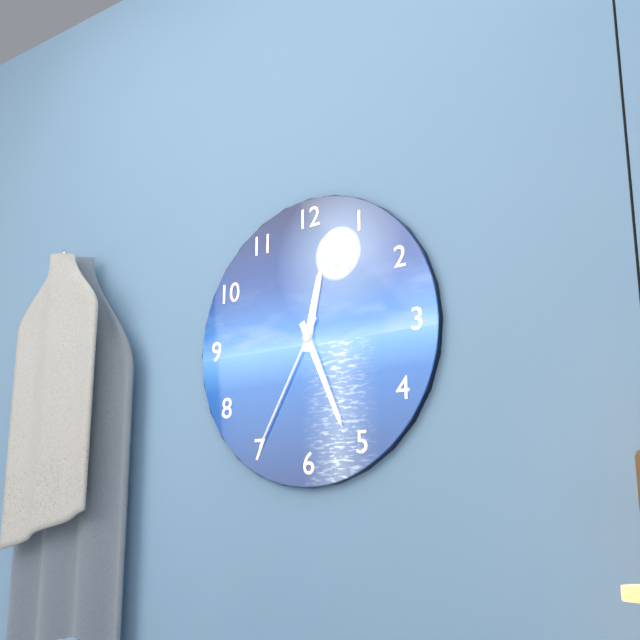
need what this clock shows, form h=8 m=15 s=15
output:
h=12 m=26 s=35
